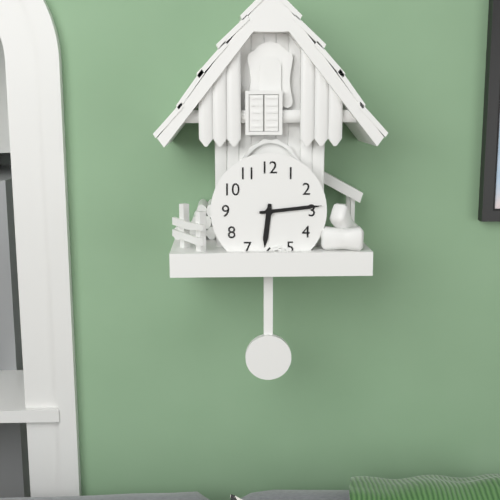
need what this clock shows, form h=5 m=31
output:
h=6 m=14
